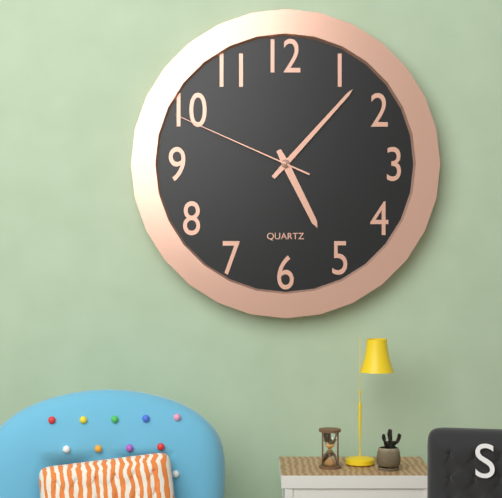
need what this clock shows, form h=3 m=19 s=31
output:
h=5 m=7 s=49
